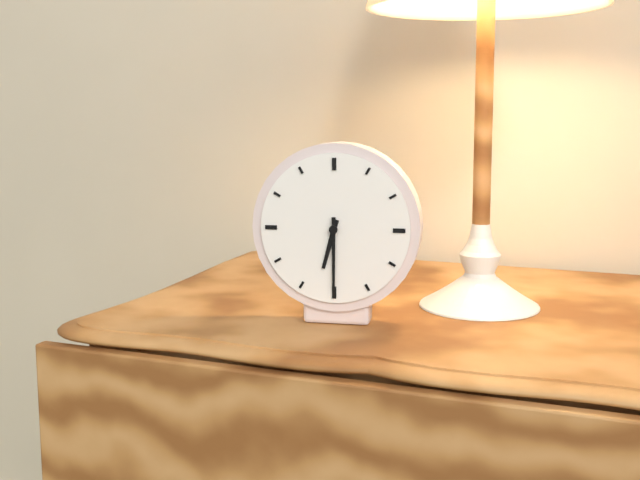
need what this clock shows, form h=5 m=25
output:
h=6 m=30
